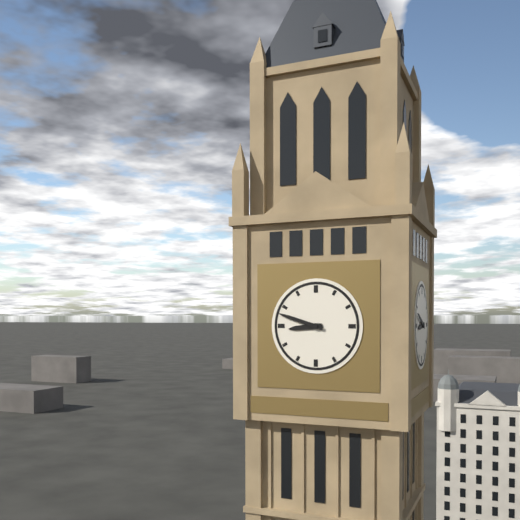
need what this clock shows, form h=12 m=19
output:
h=8 m=48
